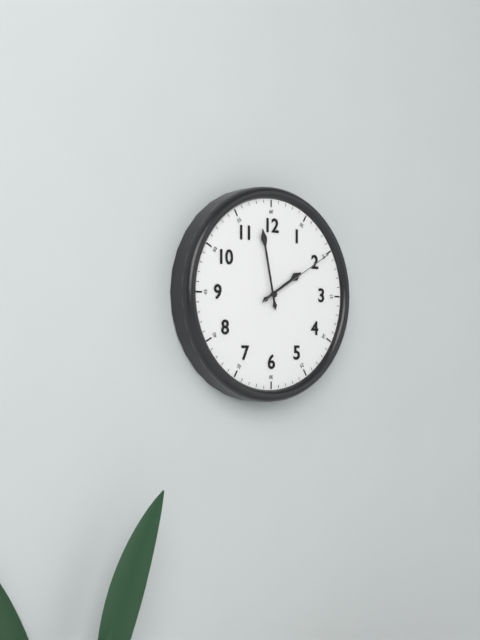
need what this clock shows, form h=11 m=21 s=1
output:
h=1 m=58 s=10
